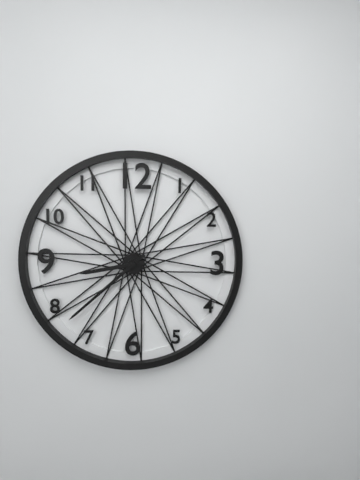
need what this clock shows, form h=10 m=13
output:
h=8 m=38
